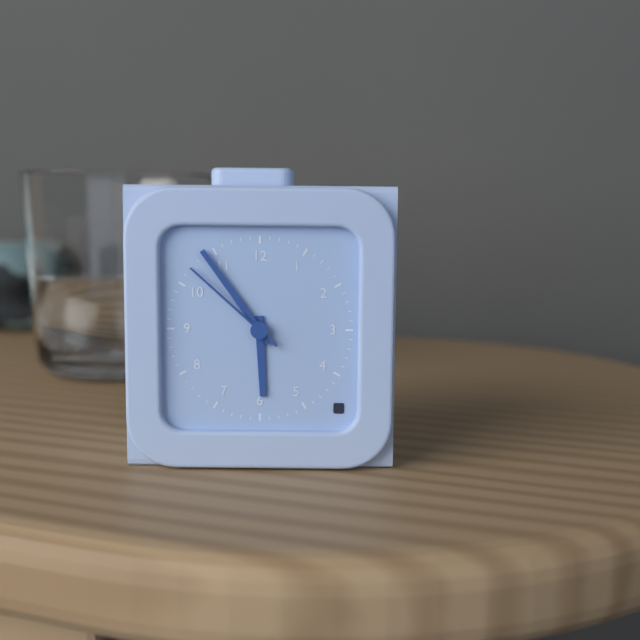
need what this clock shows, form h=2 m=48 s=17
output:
h=5 m=54 s=52
